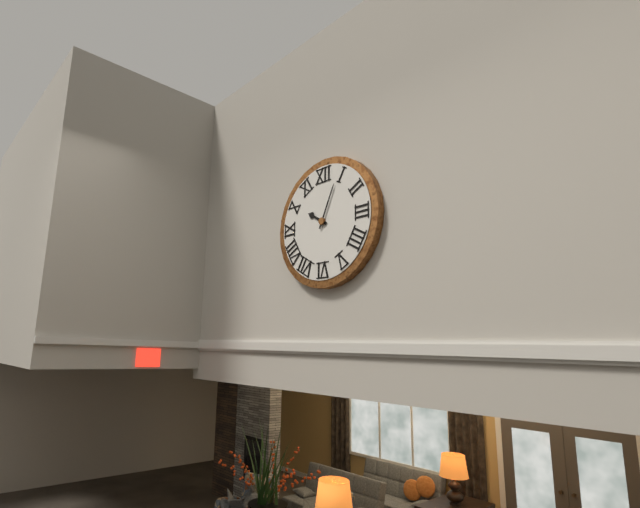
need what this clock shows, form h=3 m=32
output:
h=10 m=4
